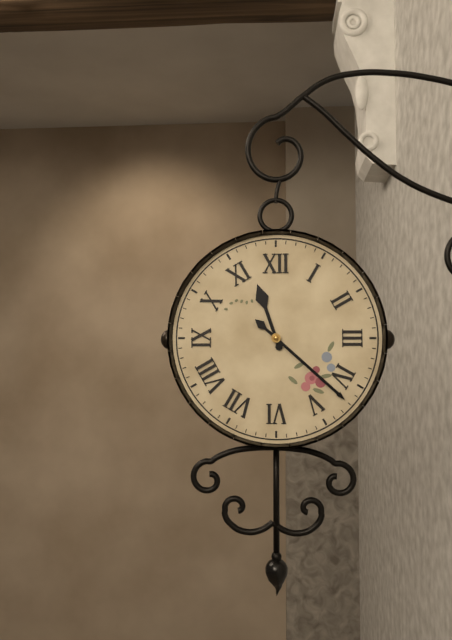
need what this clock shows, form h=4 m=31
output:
h=11 m=22
